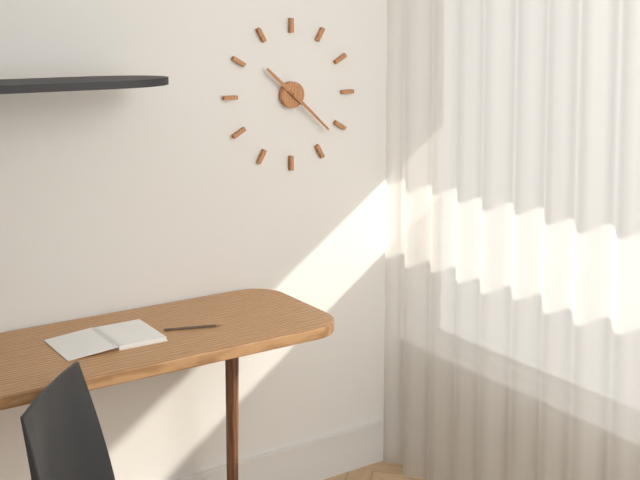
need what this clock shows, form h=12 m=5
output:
h=10 m=22
